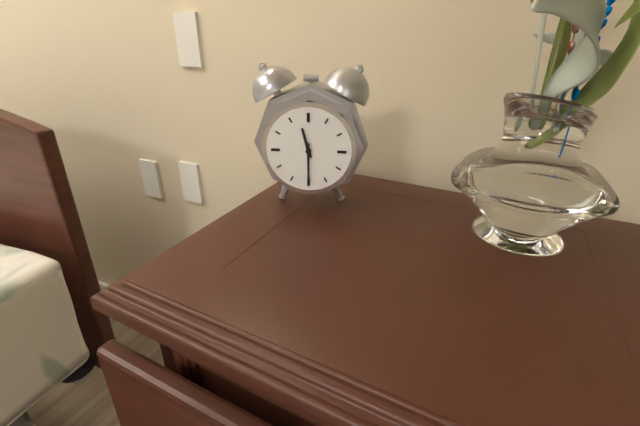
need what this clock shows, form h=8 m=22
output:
h=11 m=30
